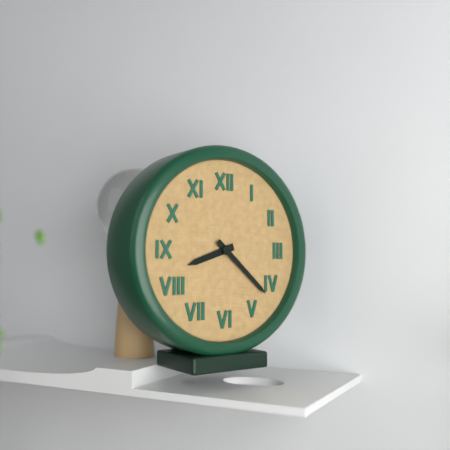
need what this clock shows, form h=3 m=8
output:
h=8 m=22
